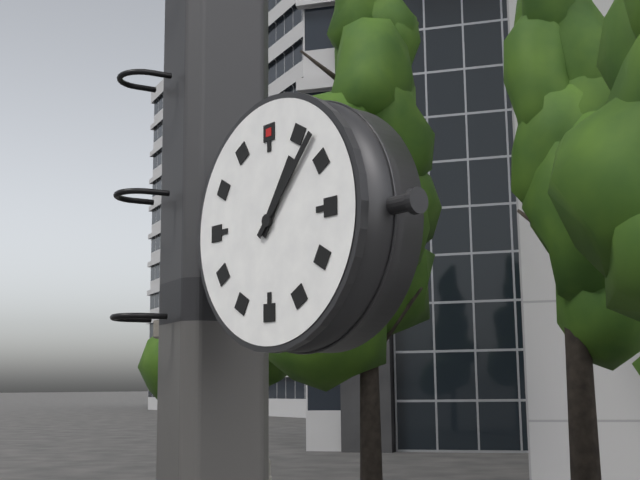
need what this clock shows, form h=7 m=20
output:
h=1 m=7
